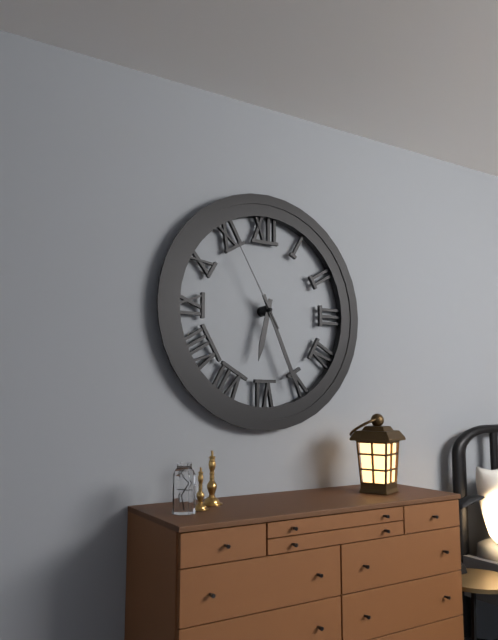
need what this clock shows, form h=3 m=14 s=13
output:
h=6 m=26 s=55
